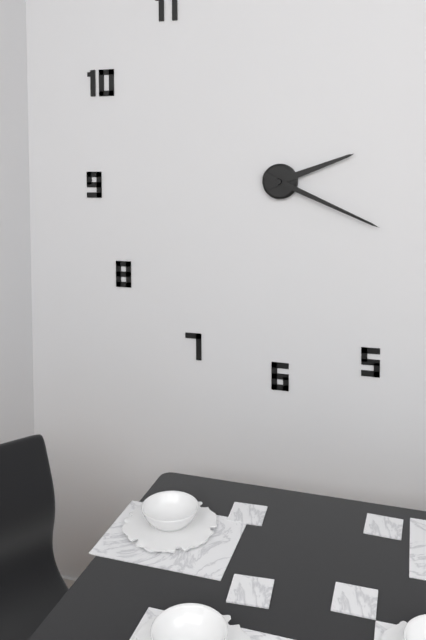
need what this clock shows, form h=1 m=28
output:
h=2 m=19
